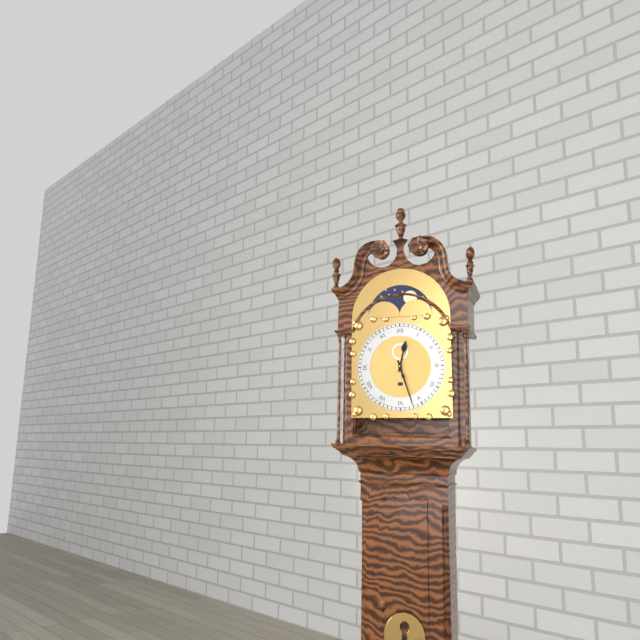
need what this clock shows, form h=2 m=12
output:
h=12 m=27
